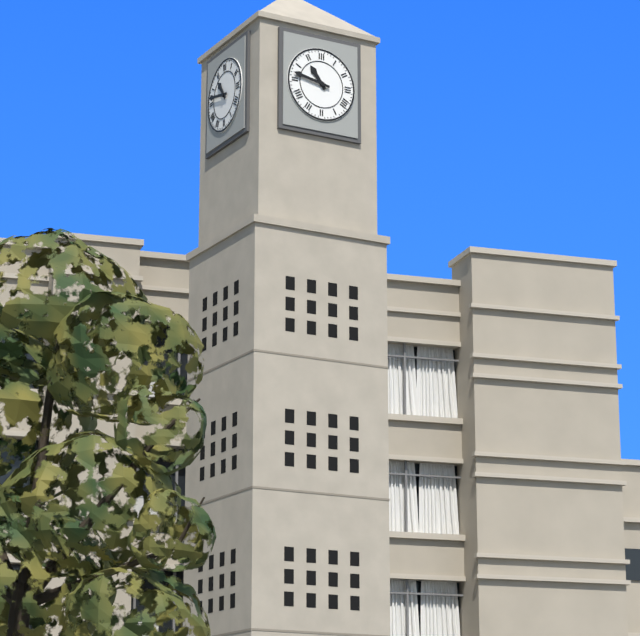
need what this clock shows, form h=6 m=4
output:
h=10 m=47
